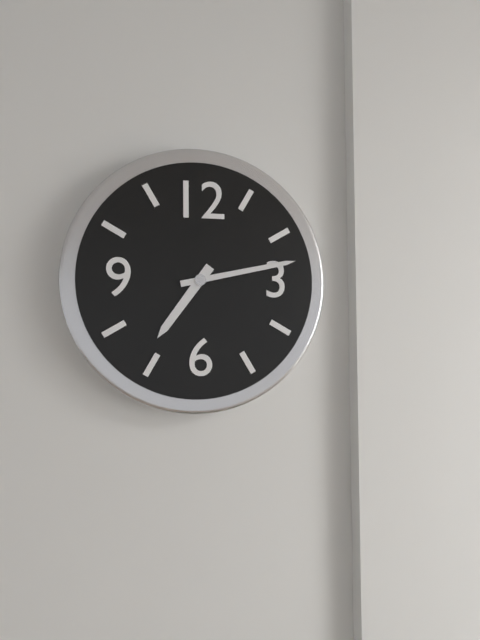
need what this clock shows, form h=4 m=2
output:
h=7 m=13
